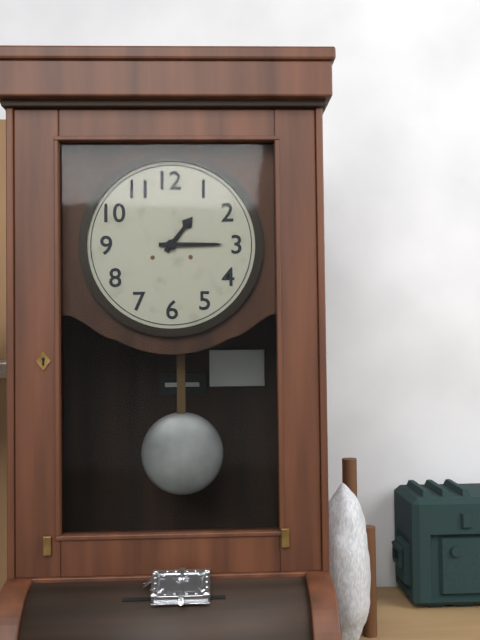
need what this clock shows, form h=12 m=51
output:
h=1 m=15
